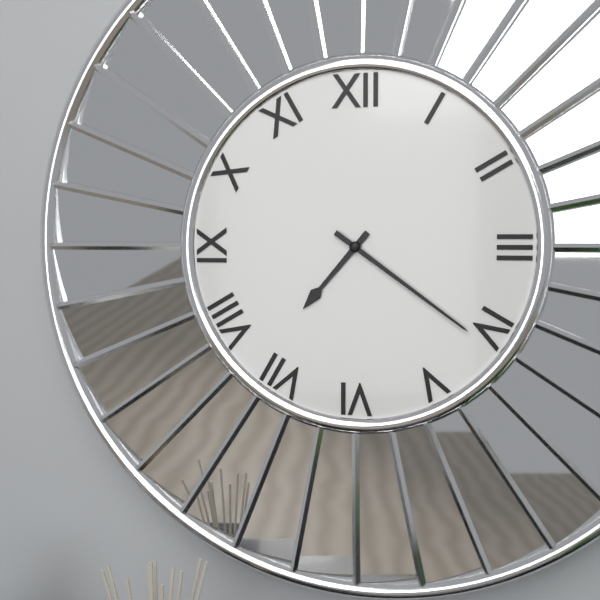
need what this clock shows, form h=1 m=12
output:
h=7 m=21
